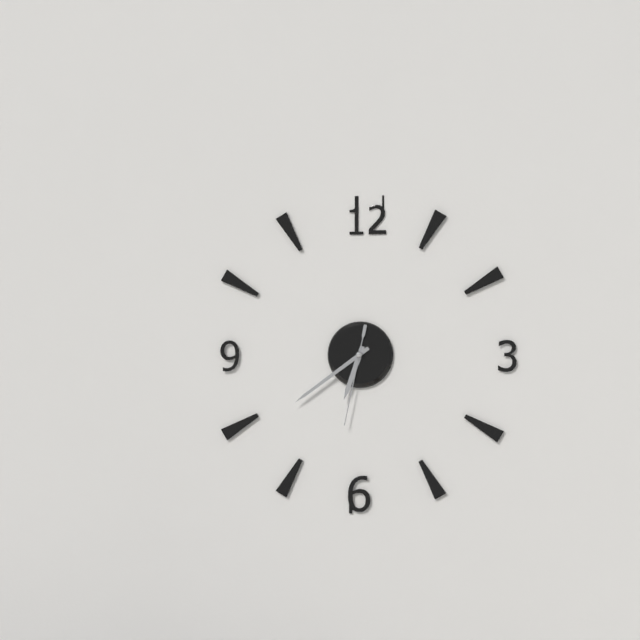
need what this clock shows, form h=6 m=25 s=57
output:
h=6 m=39 s=32
